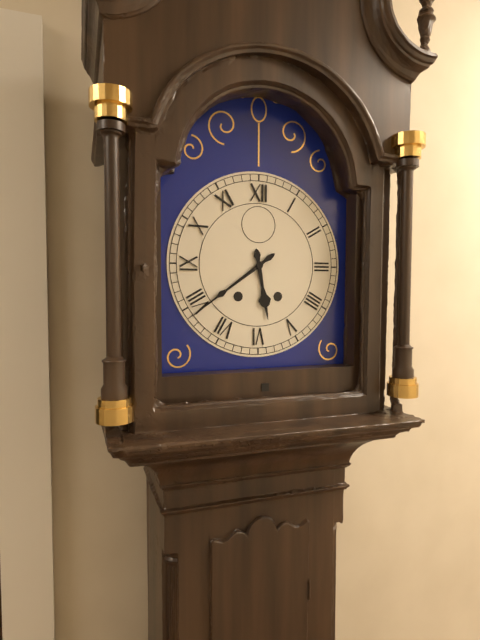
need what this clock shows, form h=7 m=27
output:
h=5 m=39
